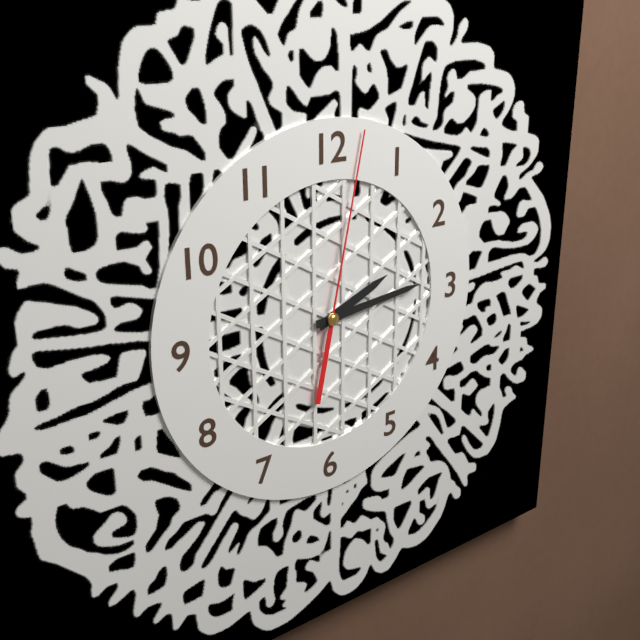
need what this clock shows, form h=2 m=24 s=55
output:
h=2 m=14 s=2
